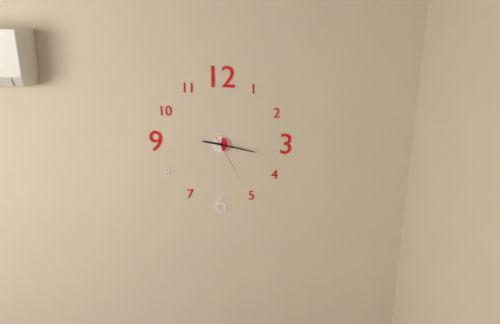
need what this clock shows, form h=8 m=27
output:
h=9 m=17
